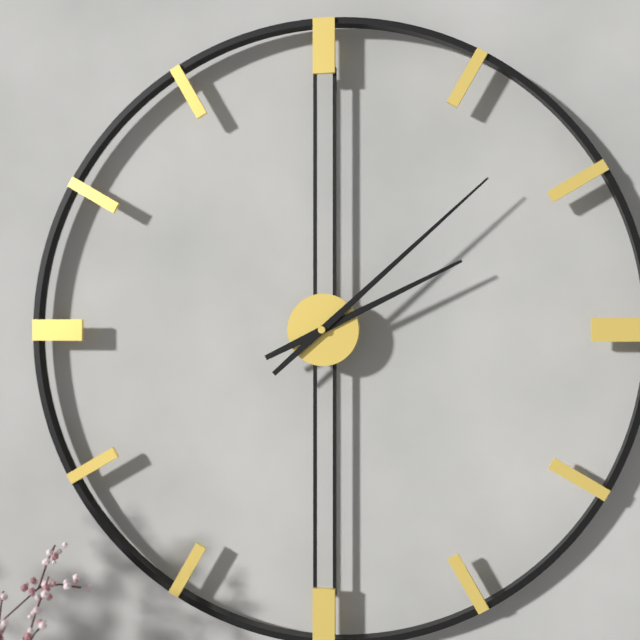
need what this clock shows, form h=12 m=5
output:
h=2 m=8
